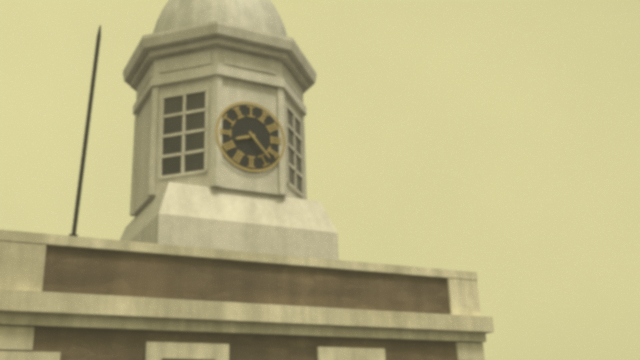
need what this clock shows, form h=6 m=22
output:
h=8 m=23
